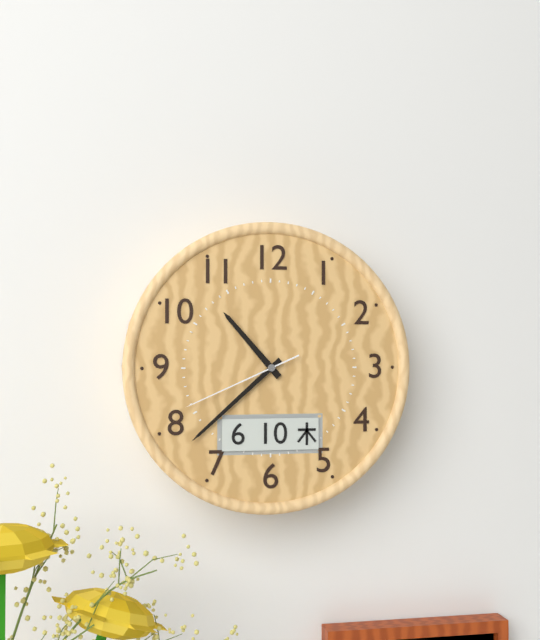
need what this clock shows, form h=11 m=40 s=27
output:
h=10 m=38 s=41
